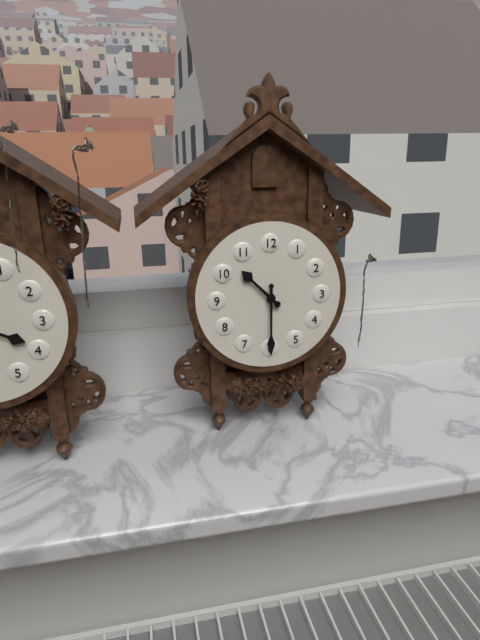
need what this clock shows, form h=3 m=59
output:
h=10 m=30
